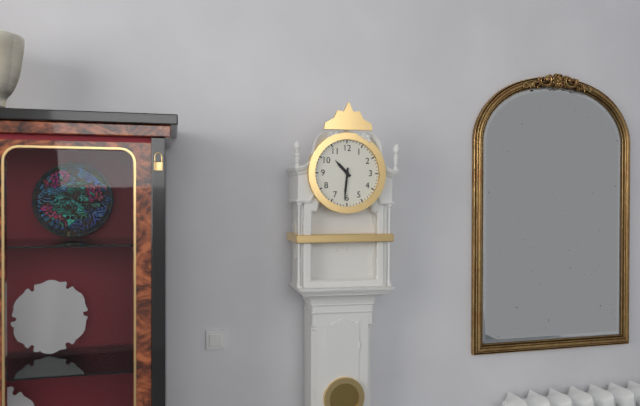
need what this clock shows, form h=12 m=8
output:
h=10 m=31
